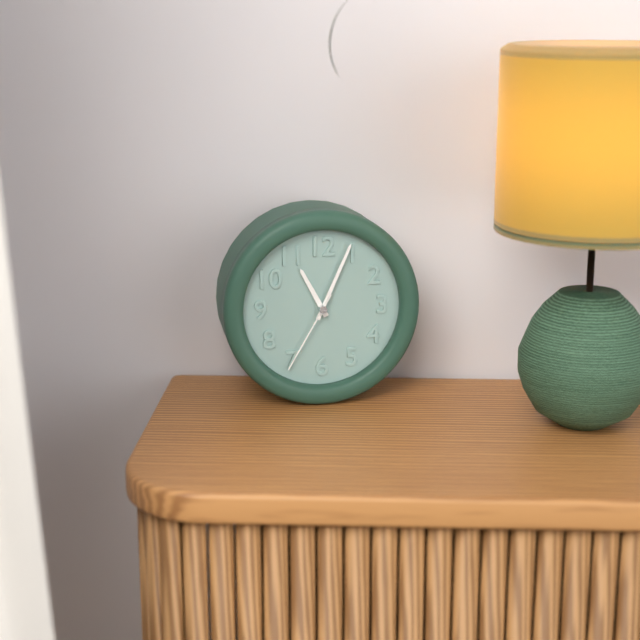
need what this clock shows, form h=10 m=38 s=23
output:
h=11 m=4 s=35
